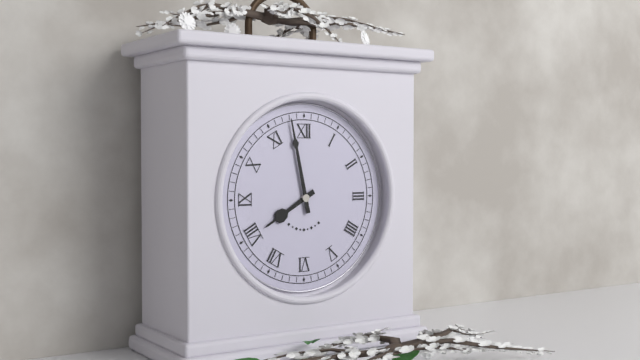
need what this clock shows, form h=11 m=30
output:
h=7 m=58
